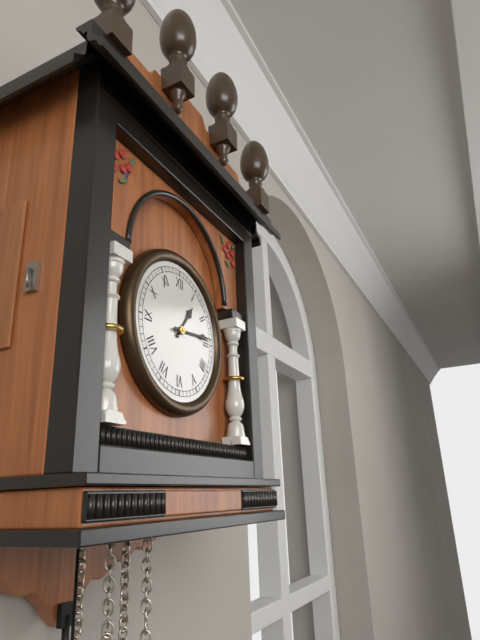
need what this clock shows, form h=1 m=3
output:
h=1 m=14
